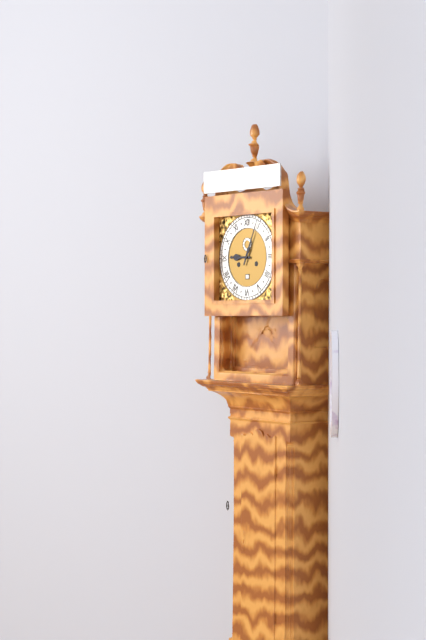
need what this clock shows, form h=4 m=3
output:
h=9 m=4
